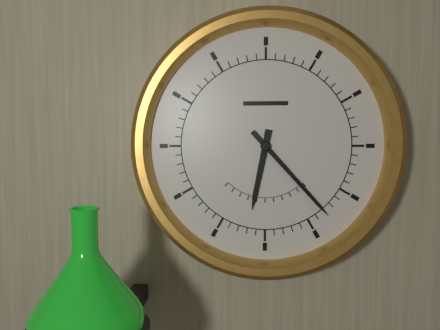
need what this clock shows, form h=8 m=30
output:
h=6 m=23
